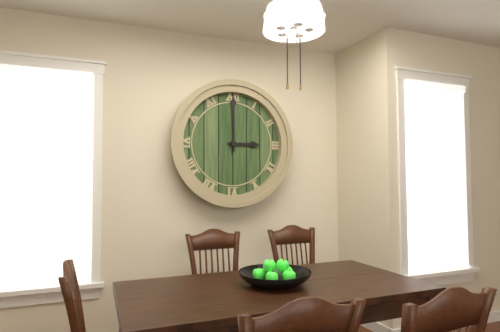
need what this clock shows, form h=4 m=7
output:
h=3 m=0
